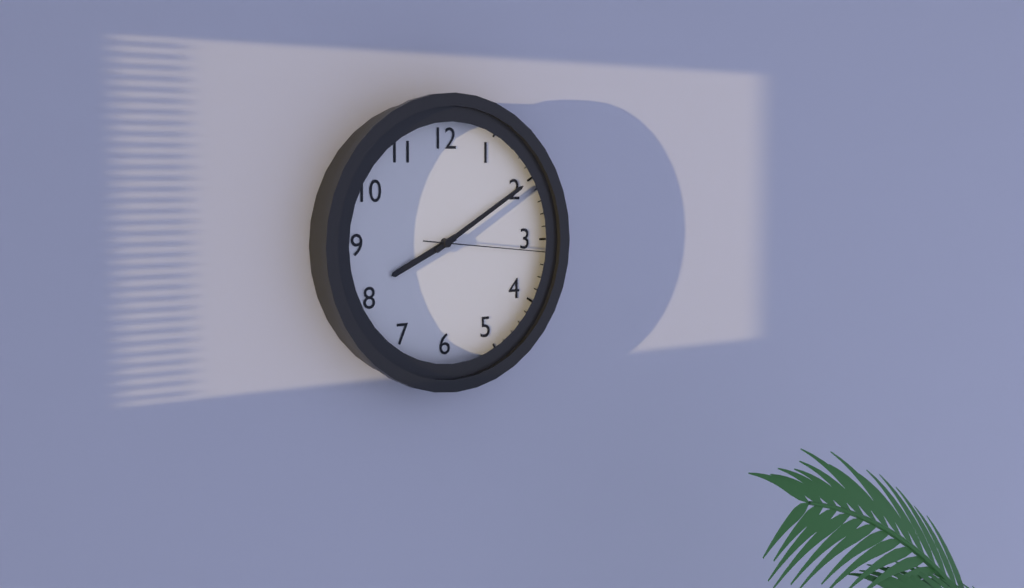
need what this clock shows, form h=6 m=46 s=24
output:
h=8 m=10 s=16
